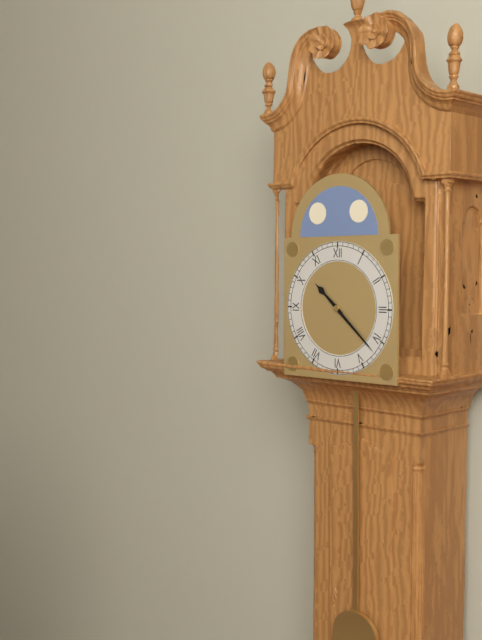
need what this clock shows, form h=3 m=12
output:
h=10 m=22
